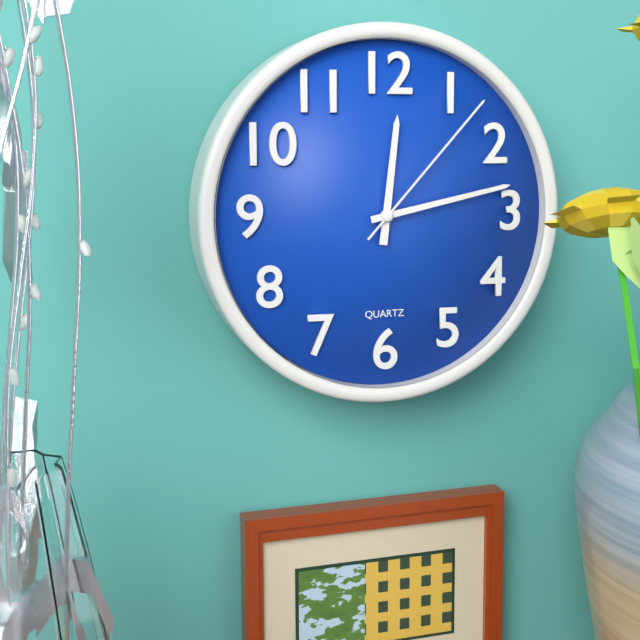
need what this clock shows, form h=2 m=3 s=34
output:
h=12 m=13 s=7
